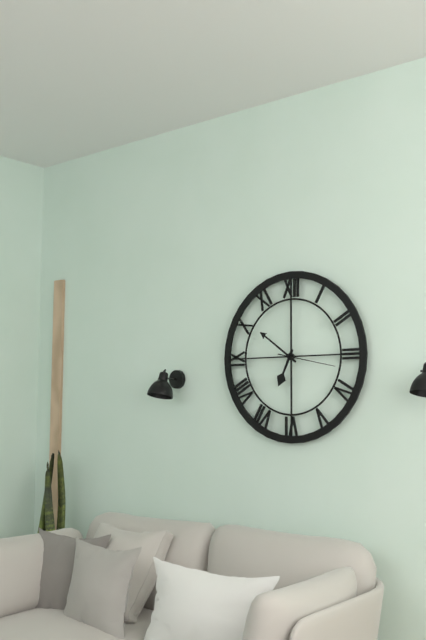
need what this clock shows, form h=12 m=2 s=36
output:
h=6 m=51 s=17
